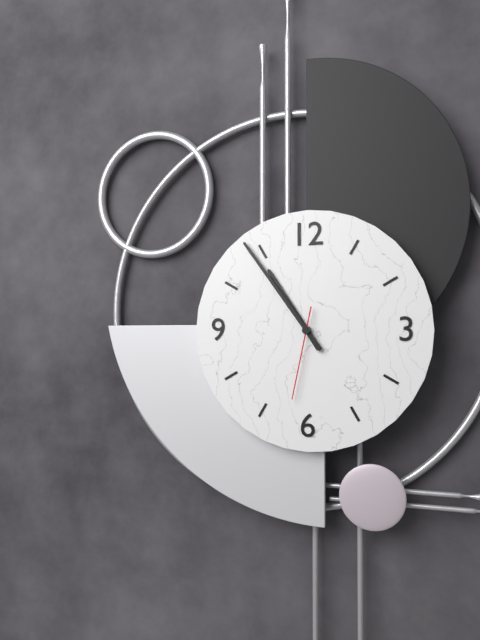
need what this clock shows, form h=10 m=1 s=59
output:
h=10 m=54 s=32
